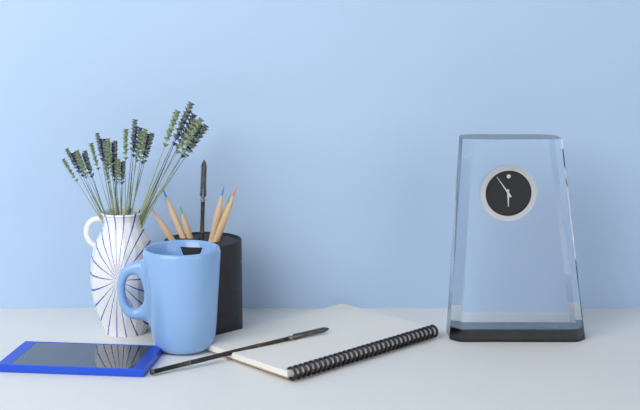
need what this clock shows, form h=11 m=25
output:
h=5 m=54
